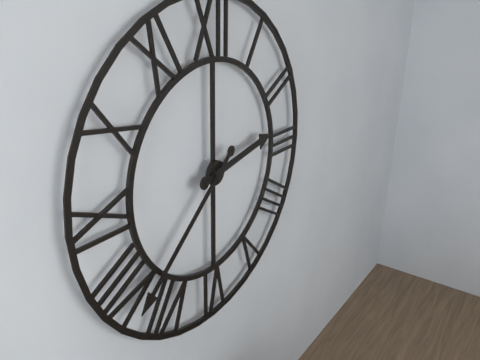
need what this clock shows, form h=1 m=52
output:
h=2 m=38
